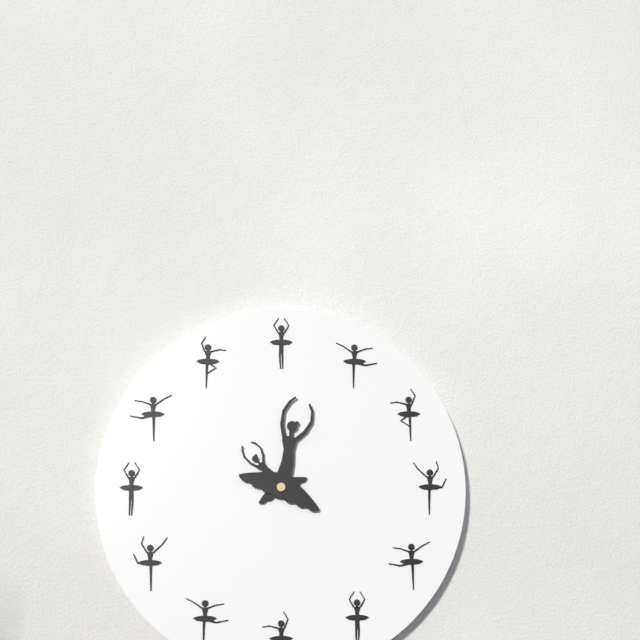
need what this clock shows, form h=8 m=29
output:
h=11 m=4
